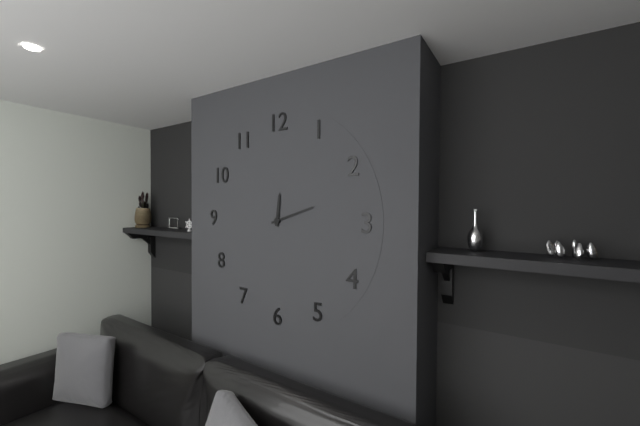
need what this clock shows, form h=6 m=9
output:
h=12 m=12
